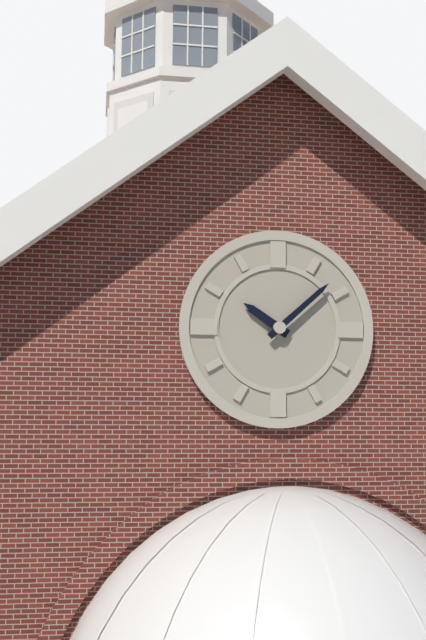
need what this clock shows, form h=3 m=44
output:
h=10 m=8
